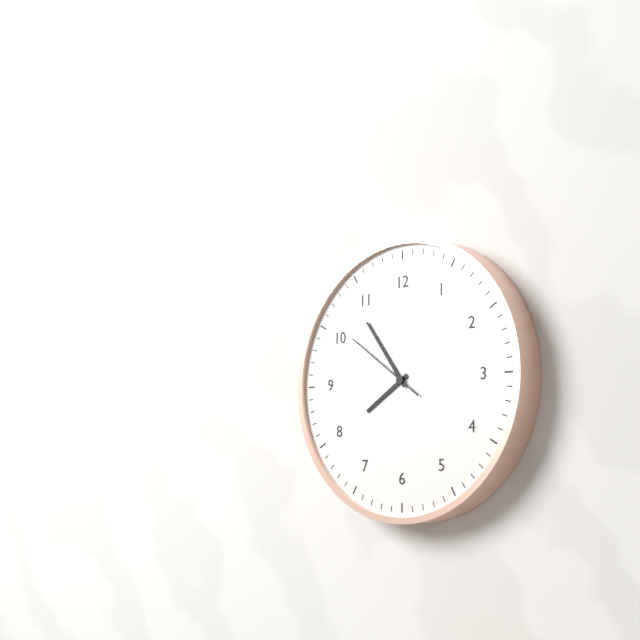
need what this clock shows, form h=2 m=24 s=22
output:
h=7 m=54 s=51
